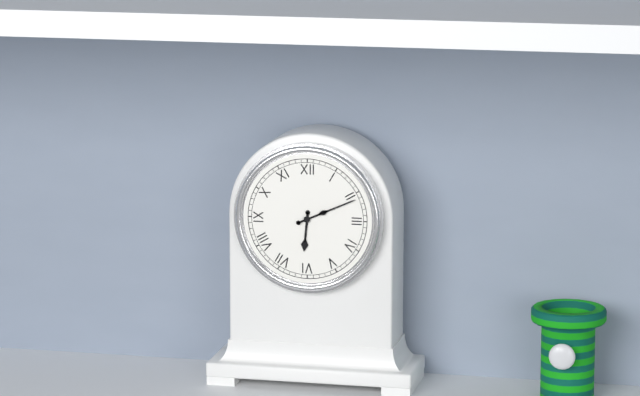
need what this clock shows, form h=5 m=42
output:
h=6 m=11
